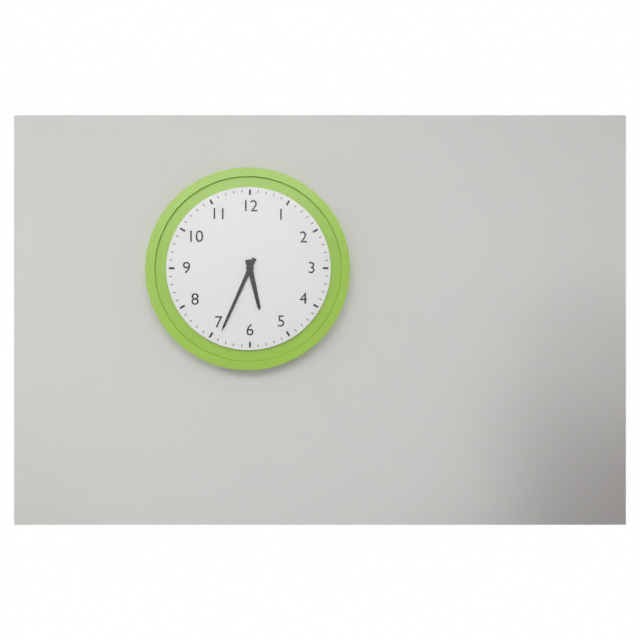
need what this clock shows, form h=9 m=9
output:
h=5 m=34
